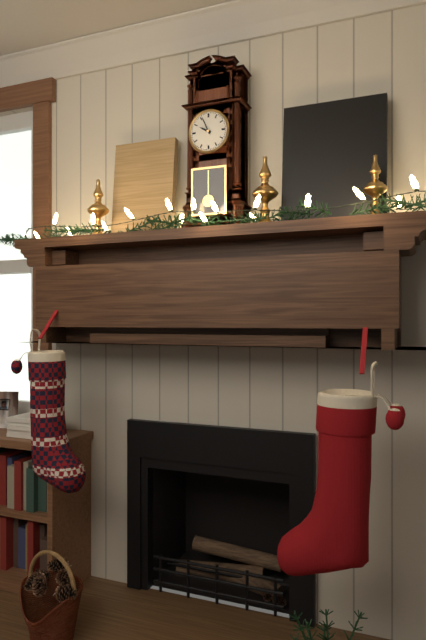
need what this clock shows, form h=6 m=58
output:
h=9 m=56
